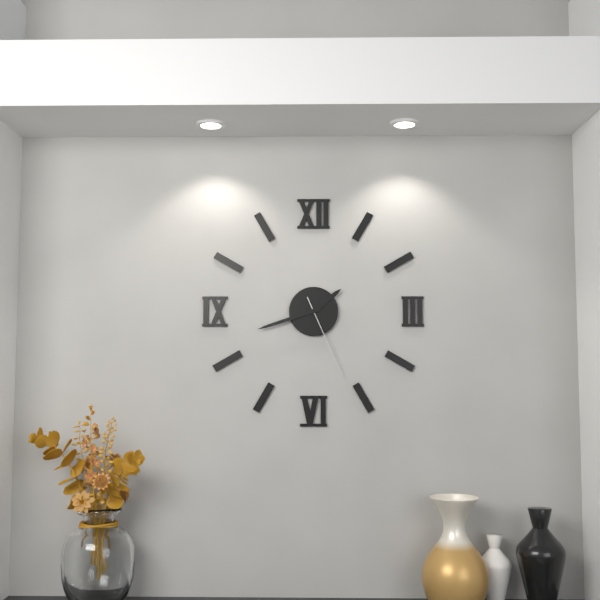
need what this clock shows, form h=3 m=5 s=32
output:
h=1 m=42 s=26
